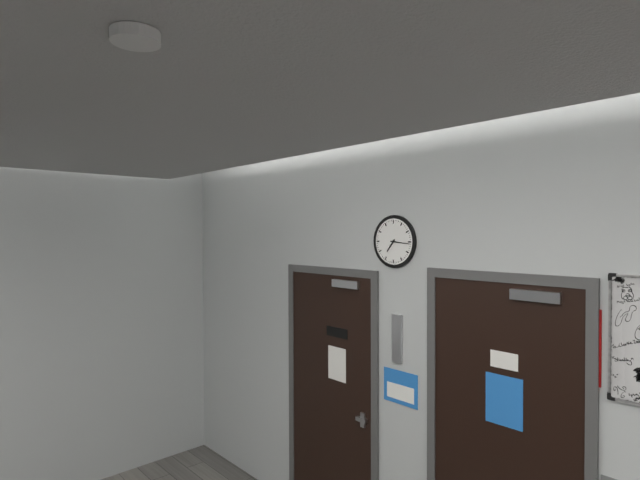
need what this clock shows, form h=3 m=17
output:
h=7 m=16
